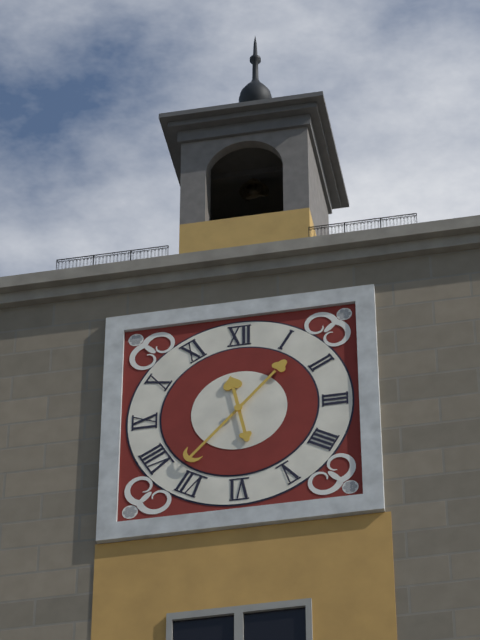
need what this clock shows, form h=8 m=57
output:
h=11 m=37
